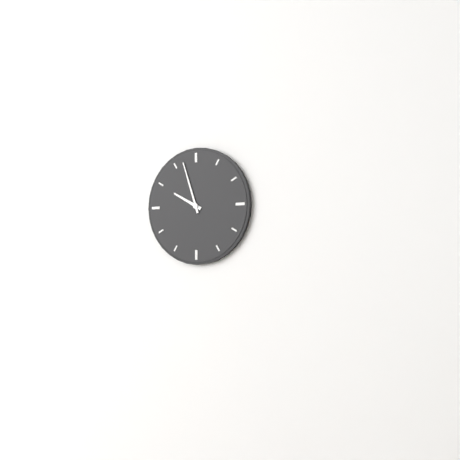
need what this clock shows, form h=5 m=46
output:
h=9 m=57
